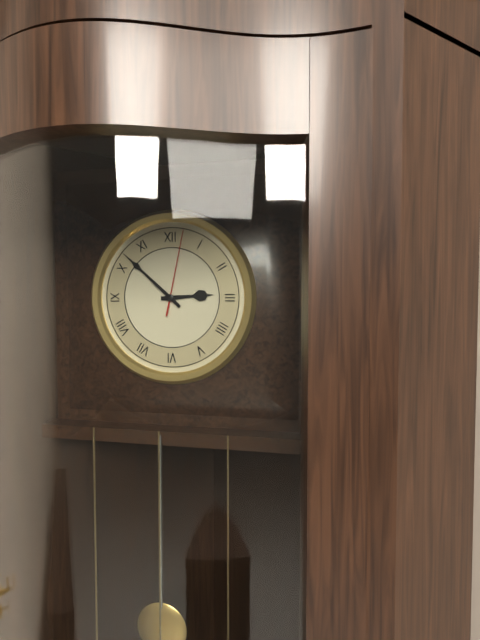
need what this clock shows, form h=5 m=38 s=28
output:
h=2 m=52 s=2
